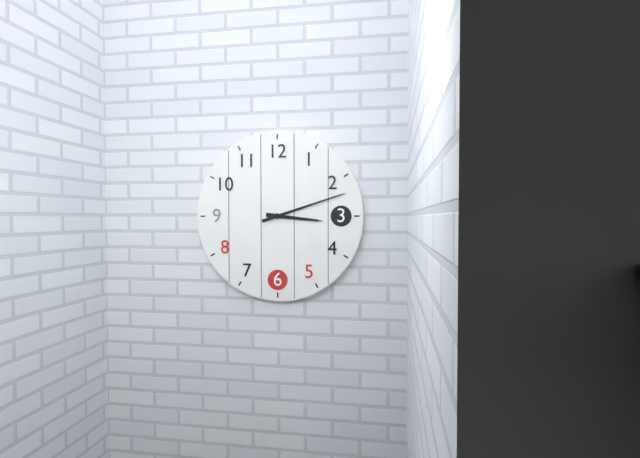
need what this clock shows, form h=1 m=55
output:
h=3 m=12
